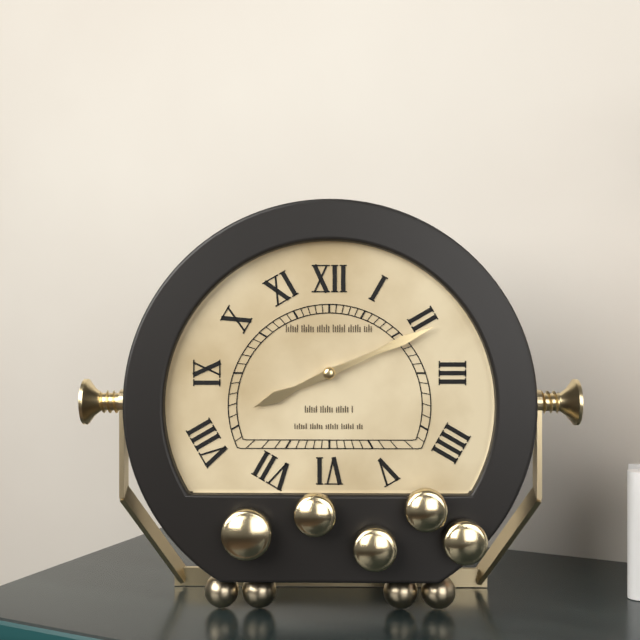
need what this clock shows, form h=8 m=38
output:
h=8 m=11
